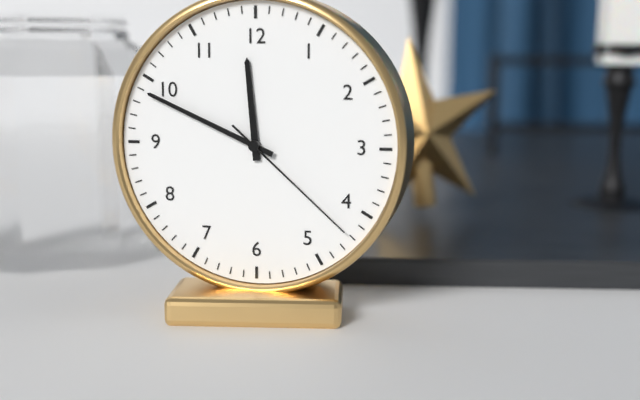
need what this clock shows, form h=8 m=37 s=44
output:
h=11 m=49 s=22
